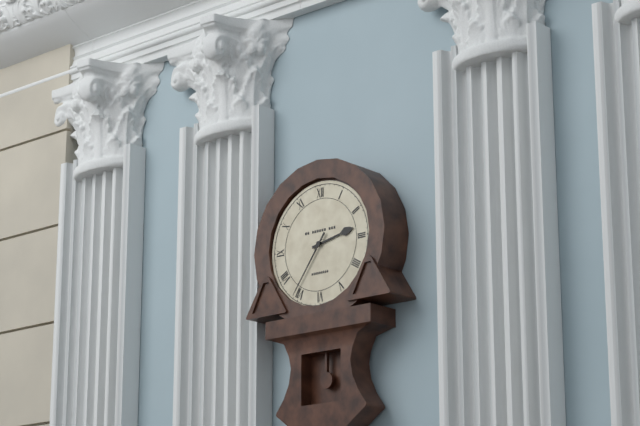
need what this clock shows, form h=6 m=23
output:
h=2 m=36
